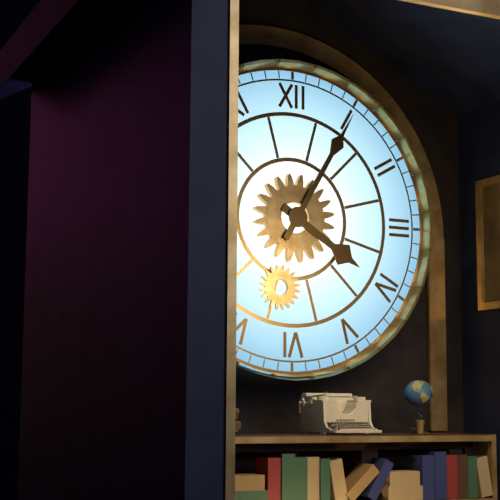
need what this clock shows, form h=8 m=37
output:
h=4 m=5
